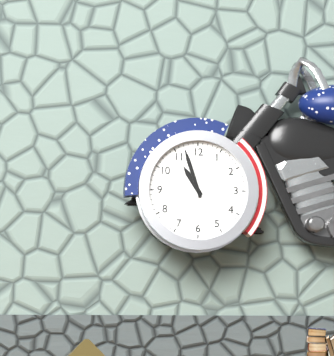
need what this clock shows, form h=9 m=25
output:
h=10 m=57
